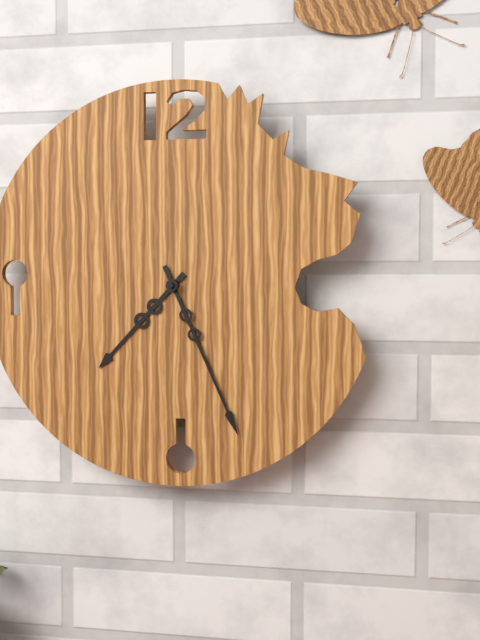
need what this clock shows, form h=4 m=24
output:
h=7 m=26
